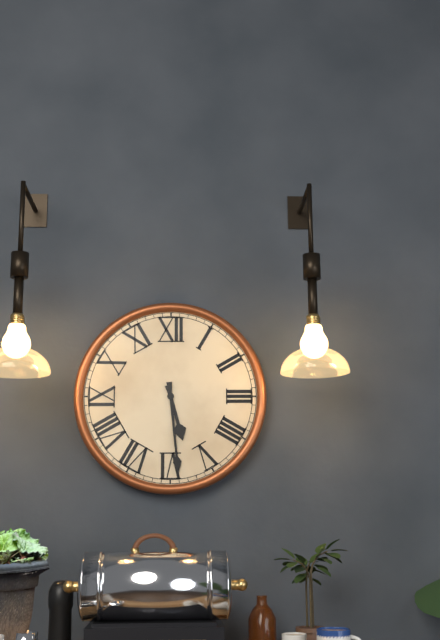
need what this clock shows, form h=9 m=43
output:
h=5 m=29
